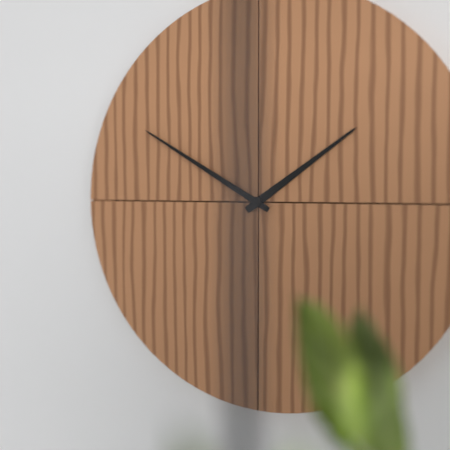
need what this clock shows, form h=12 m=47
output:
h=1 m=50
